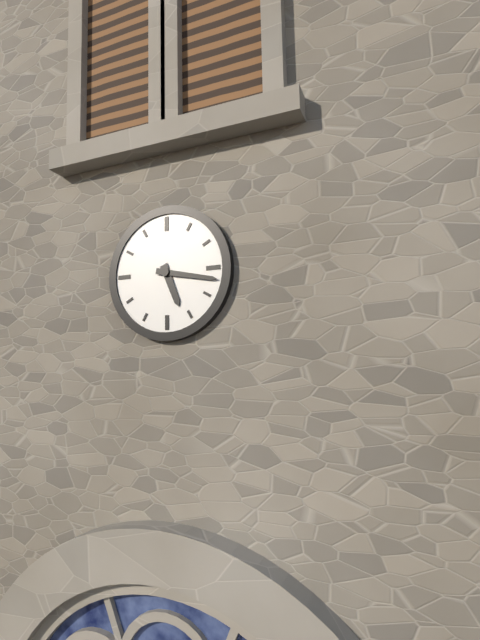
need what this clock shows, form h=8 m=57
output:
h=5 m=17
